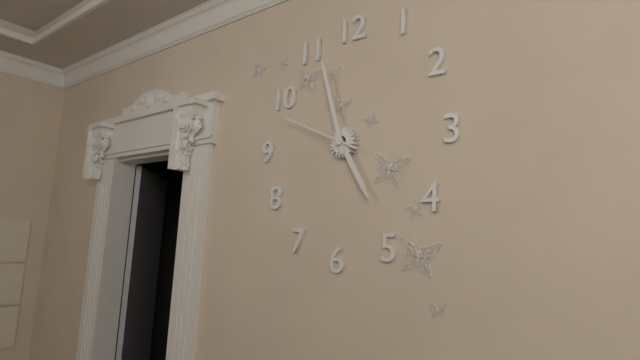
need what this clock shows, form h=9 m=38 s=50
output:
h=4 m=57 s=49
